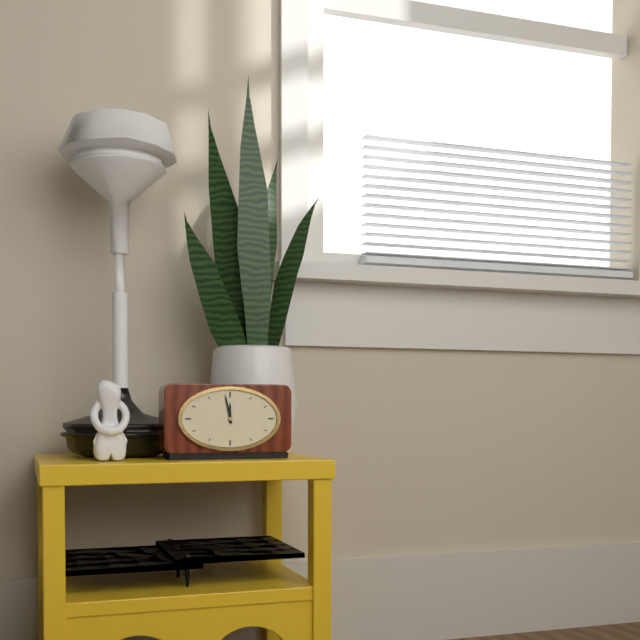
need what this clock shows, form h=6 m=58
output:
h=11 m=58
